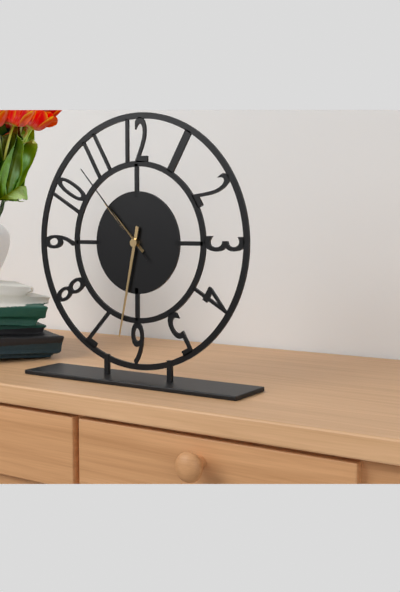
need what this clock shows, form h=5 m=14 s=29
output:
h=10 m=32 s=53
